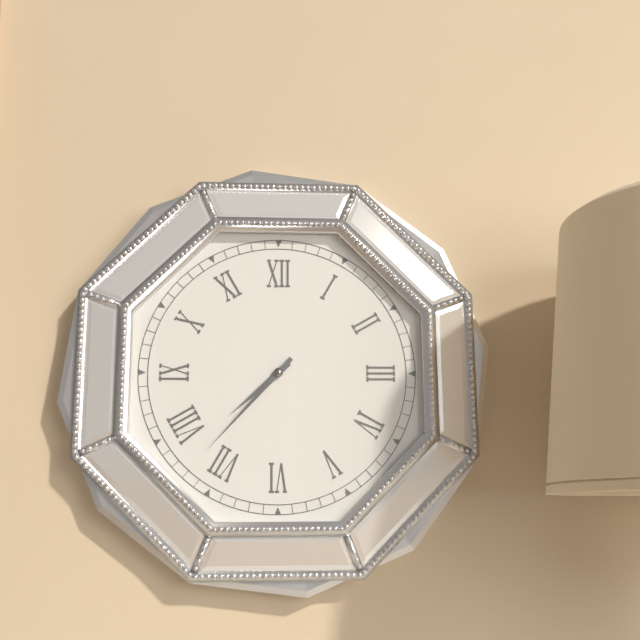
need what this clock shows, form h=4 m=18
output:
h=7 m=37
